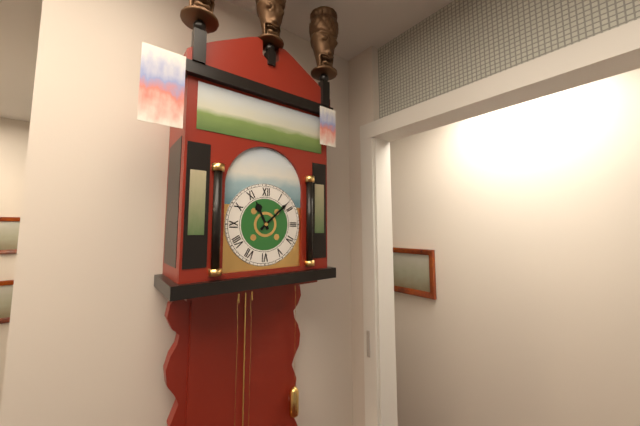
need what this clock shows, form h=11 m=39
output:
h=11 m=8
